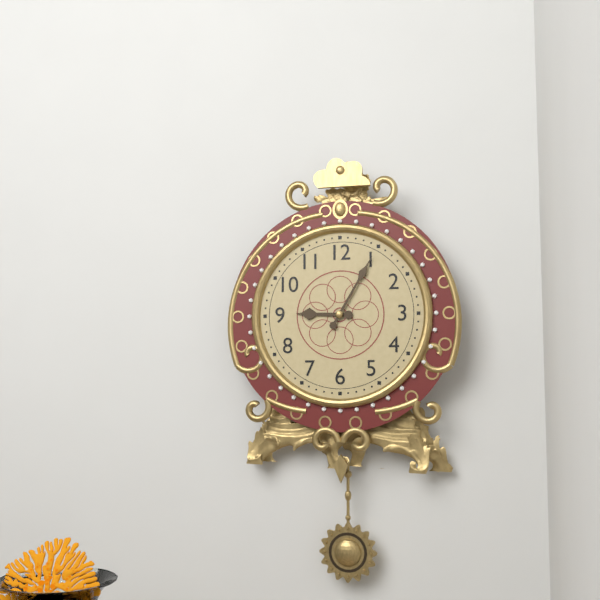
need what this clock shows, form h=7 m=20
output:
h=9 m=5
